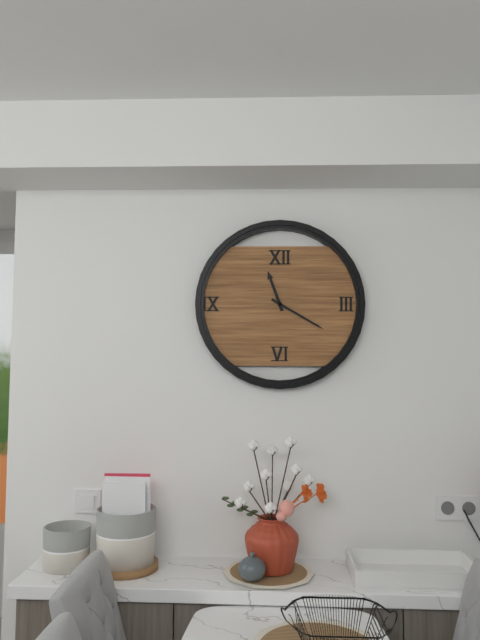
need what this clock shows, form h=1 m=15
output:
h=11 m=20
